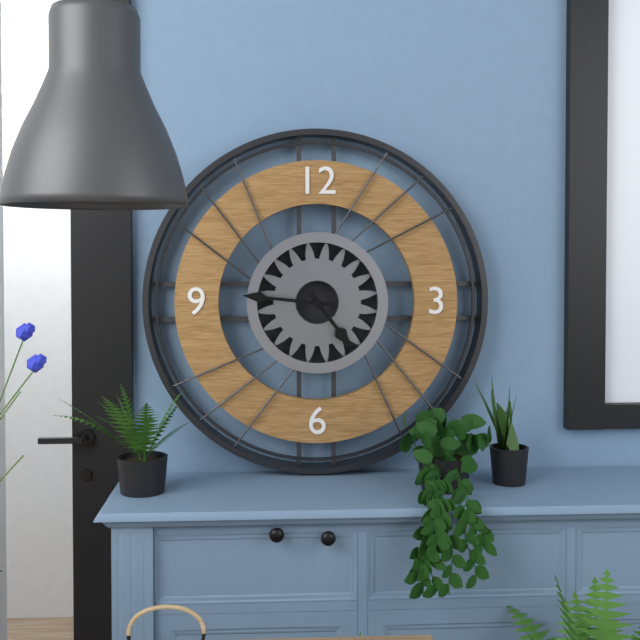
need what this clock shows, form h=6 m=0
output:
h=4 m=46
